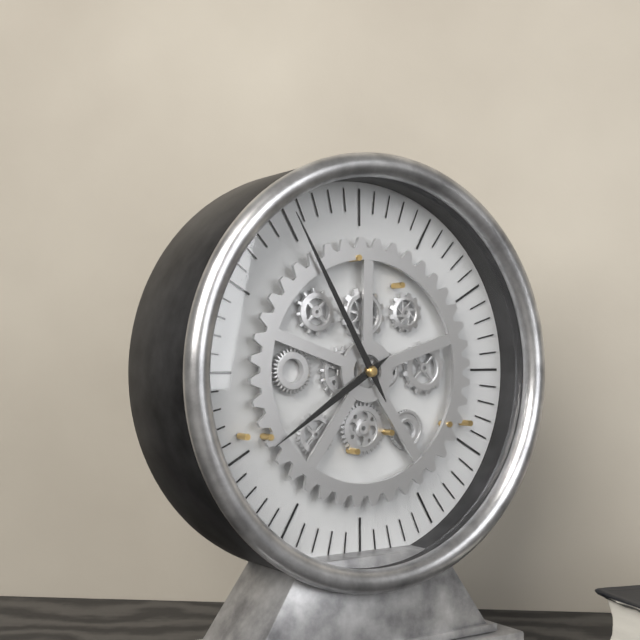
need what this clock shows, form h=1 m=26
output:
h=7 m=55
